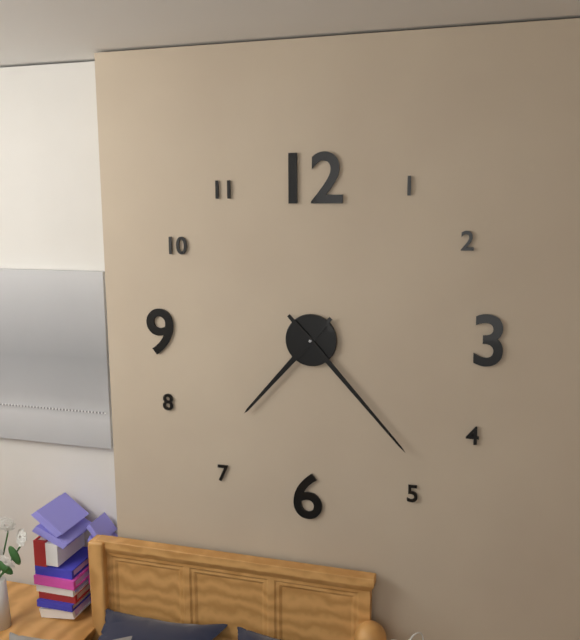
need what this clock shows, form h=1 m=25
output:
h=7 m=23
